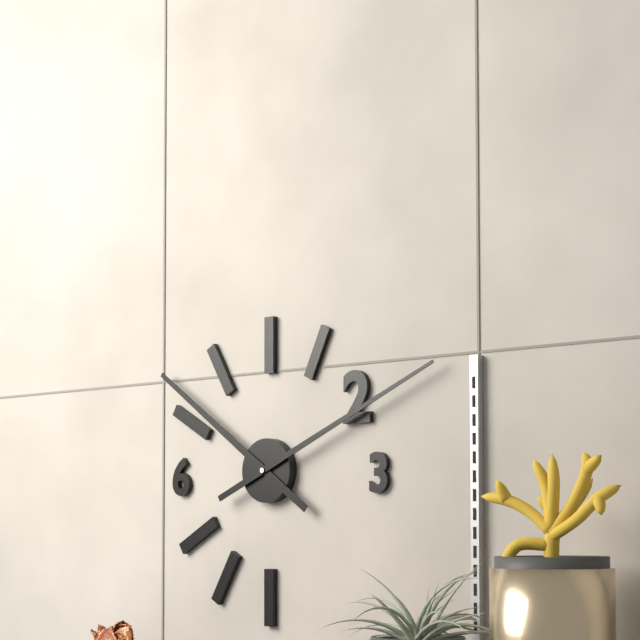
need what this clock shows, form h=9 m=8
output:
h=10 m=11
